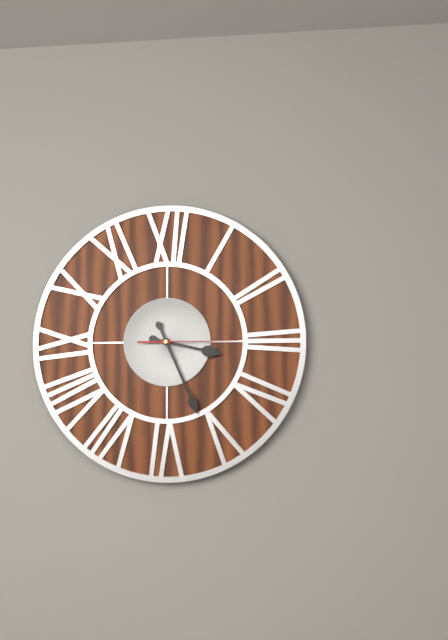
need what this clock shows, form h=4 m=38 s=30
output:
h=3 m=26 s=15
